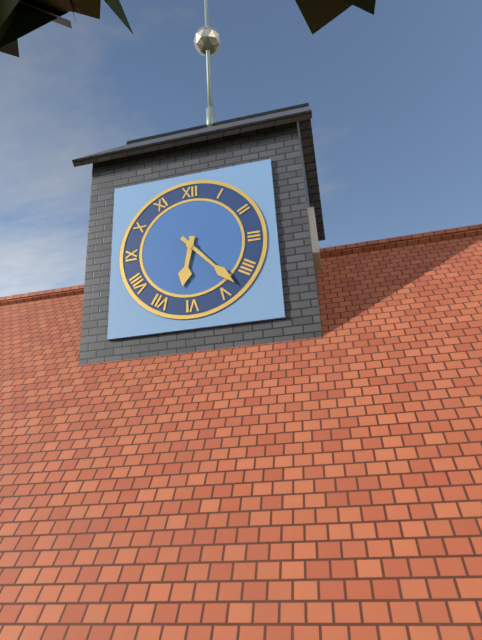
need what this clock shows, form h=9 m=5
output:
h=6 m=23
